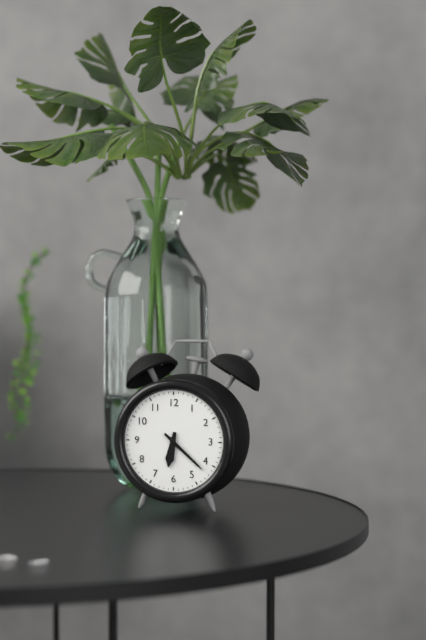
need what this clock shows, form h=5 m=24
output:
h=6 m=22
